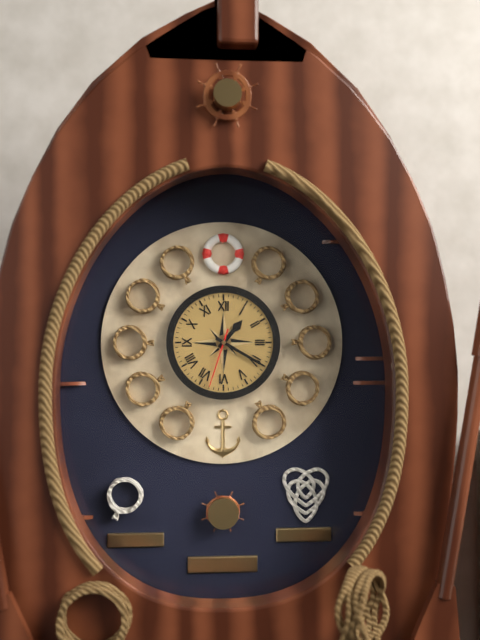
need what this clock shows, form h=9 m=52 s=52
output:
h=1 m=20 s=33
